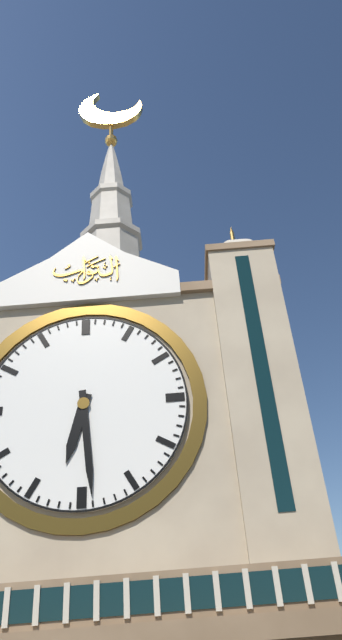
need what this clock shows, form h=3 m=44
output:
h=6 m=29
